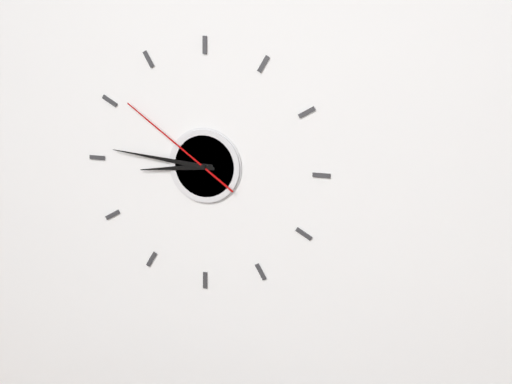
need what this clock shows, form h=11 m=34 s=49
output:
h=8 m=46 s=51
